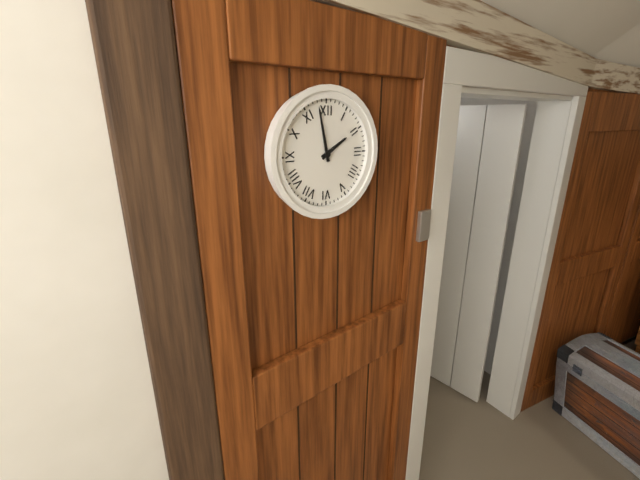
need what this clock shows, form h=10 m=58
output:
h=1 m=58
